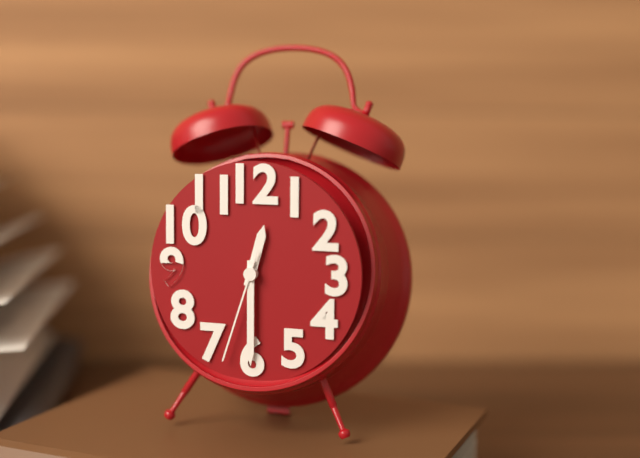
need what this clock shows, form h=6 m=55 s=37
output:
h=12 m=30 s=33
